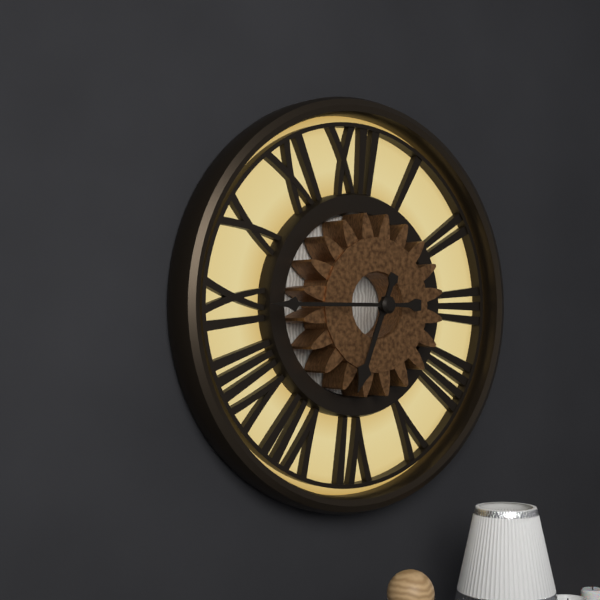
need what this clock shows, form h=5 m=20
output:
h=6 m=45
